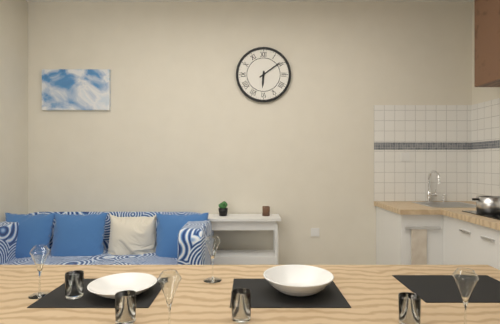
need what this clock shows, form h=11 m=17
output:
h=6 m=9
